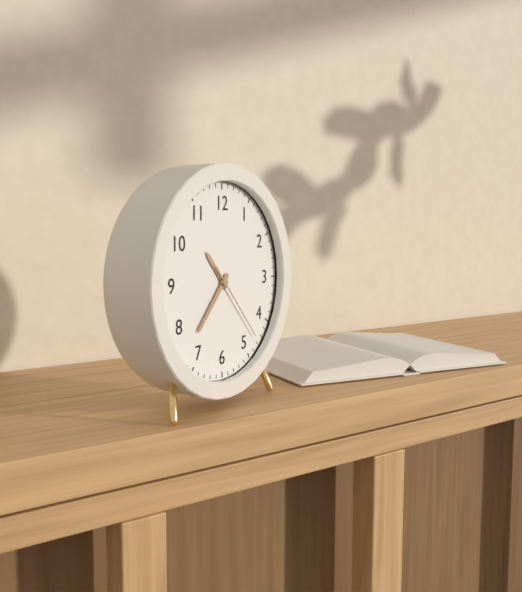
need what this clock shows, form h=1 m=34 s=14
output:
h=10 m=37 s=23
